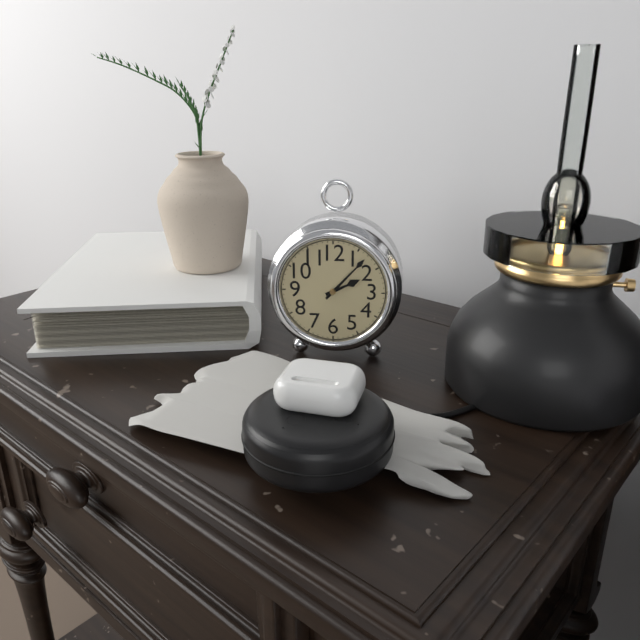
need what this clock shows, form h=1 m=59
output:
h=2 m=7
